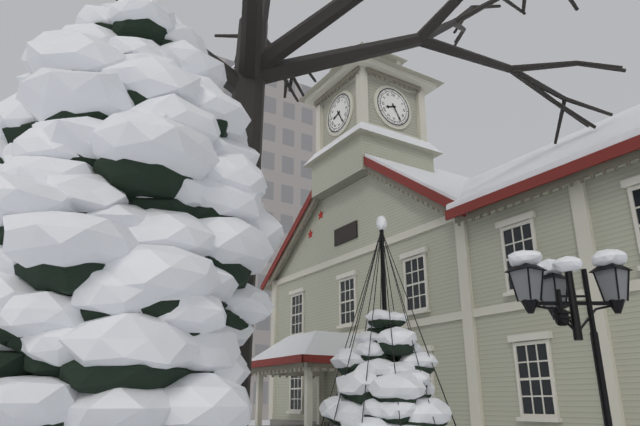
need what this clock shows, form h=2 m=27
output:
h=8 m=25
